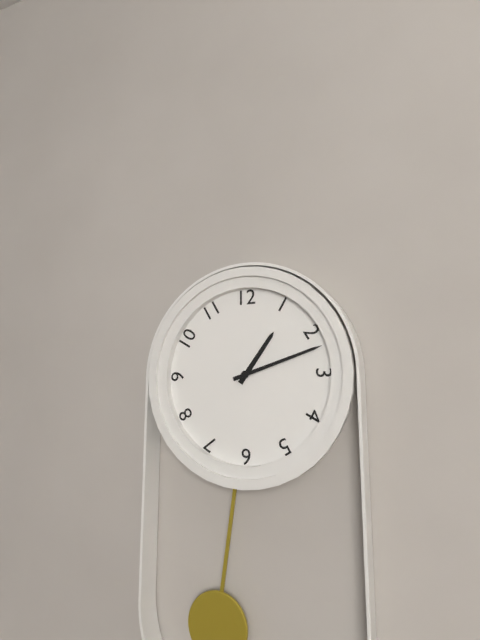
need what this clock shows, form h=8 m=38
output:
h=1 m=12
